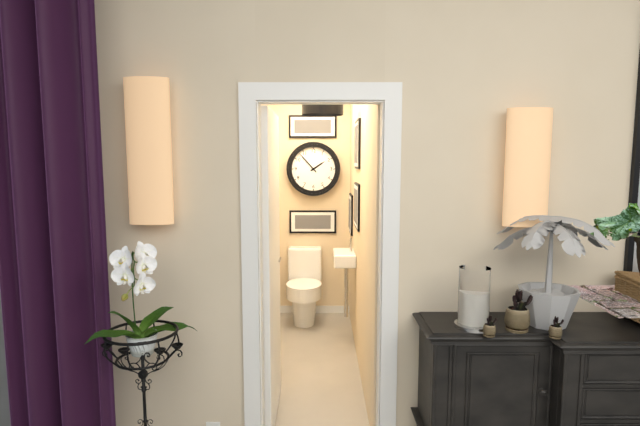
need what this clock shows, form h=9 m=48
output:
h=1 m=53
